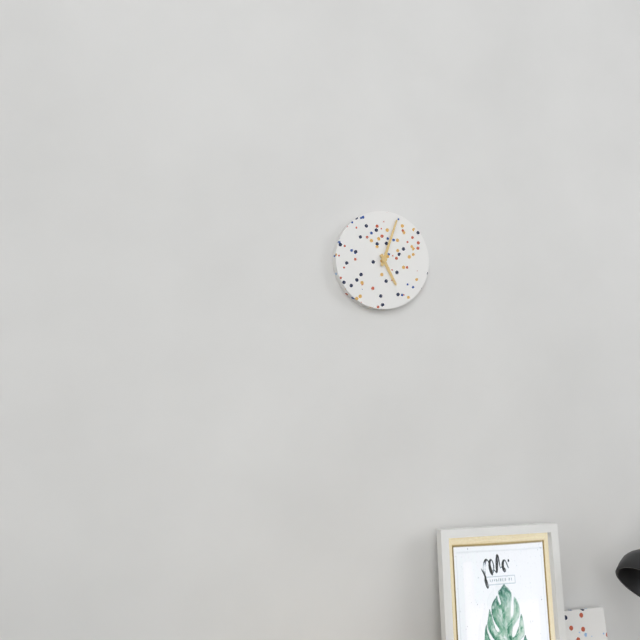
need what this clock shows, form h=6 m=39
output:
h=5 m=3
